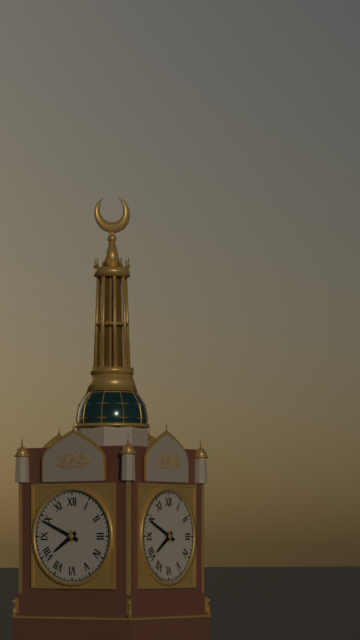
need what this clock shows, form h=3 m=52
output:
h=7 m=49
